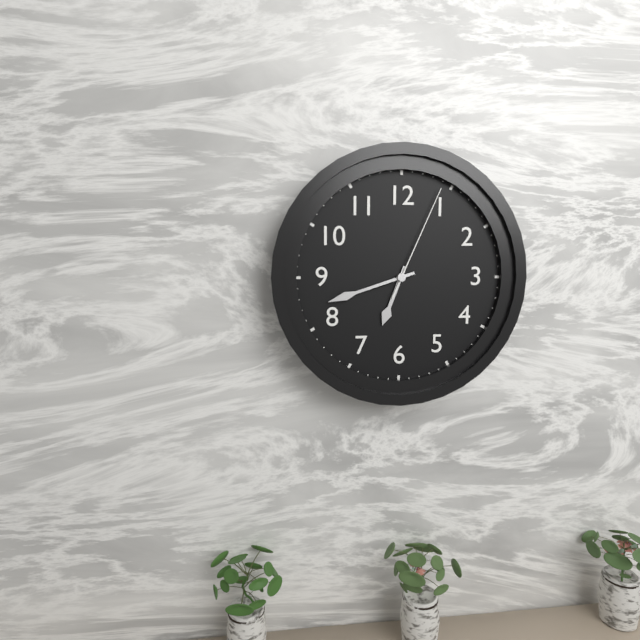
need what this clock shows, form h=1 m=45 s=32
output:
h=6 m=42 s=4
